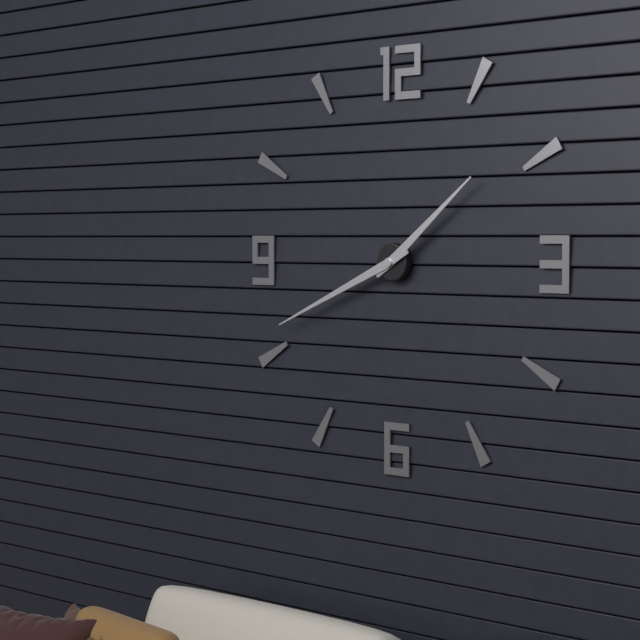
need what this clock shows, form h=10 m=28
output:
h=1 m=41
